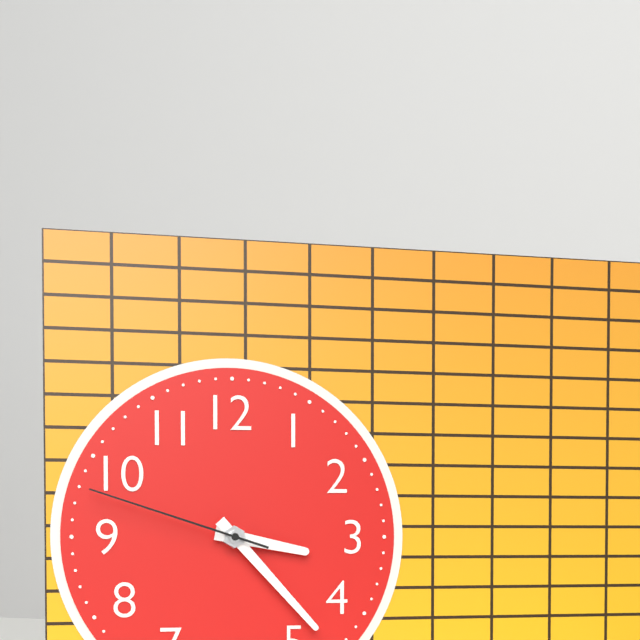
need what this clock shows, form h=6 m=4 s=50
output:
h=3 m=23 s=48
